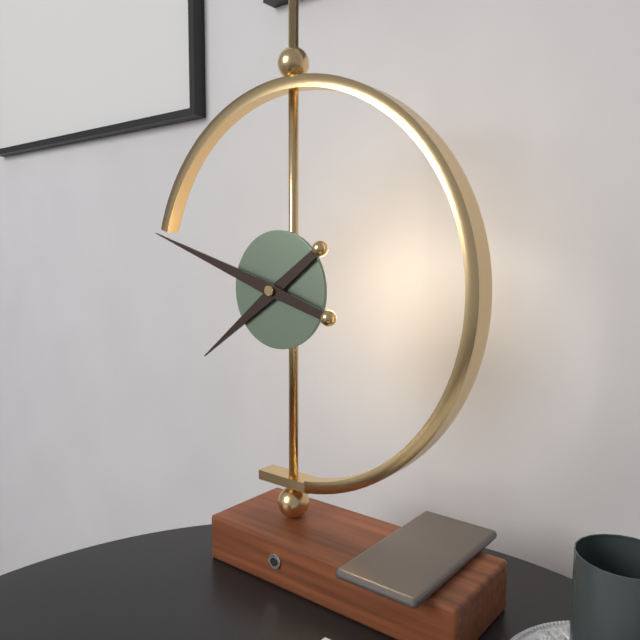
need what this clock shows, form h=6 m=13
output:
h=7 m=48
